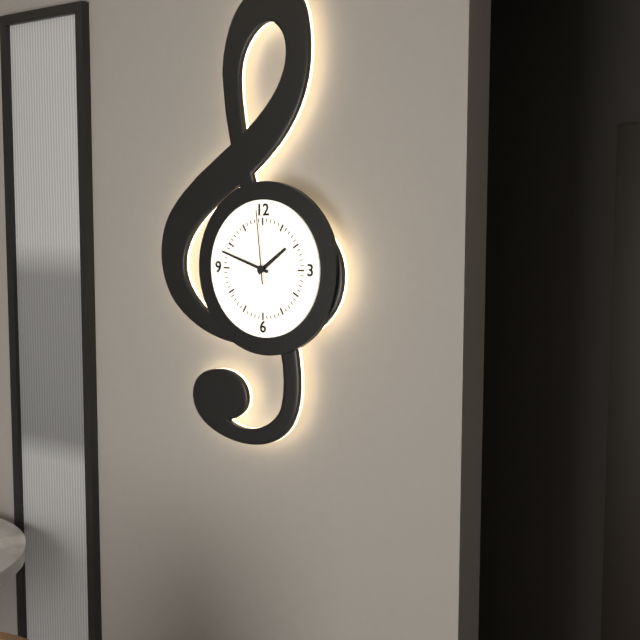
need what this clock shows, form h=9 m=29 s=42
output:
h=1 m=48 s=59
